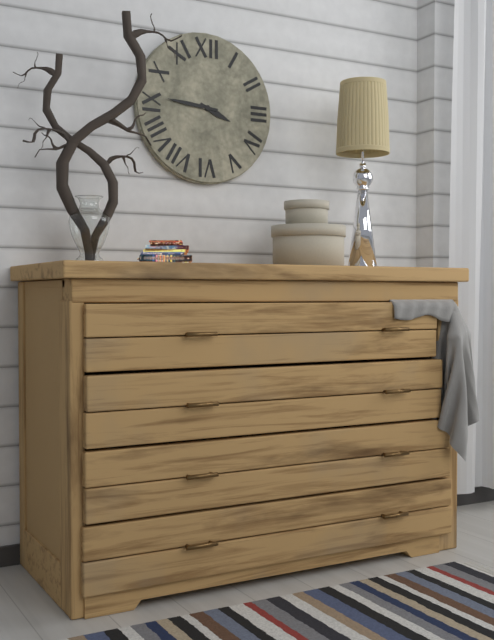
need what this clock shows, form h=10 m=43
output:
h=3 m=46
